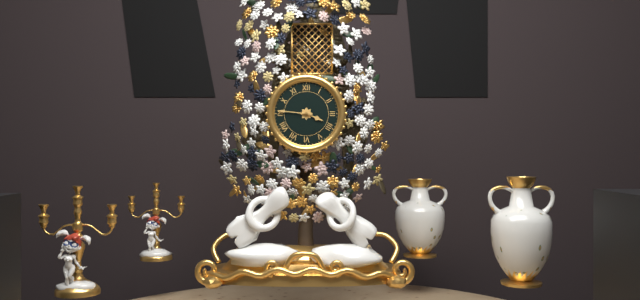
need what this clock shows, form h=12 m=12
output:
h=3 m=46
